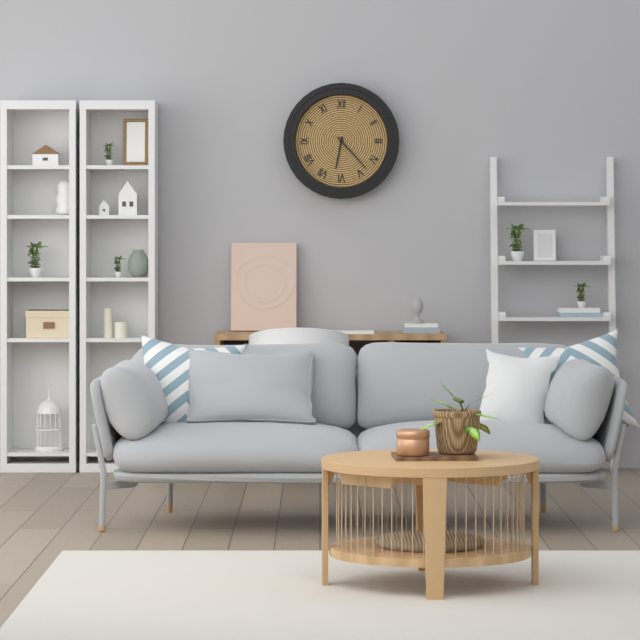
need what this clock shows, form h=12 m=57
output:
h=6 m=23
